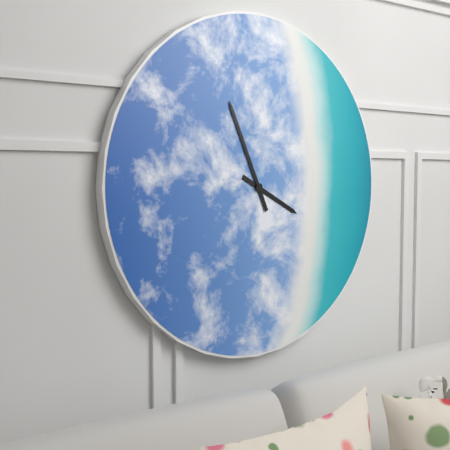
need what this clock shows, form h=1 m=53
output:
h=3 m=56
